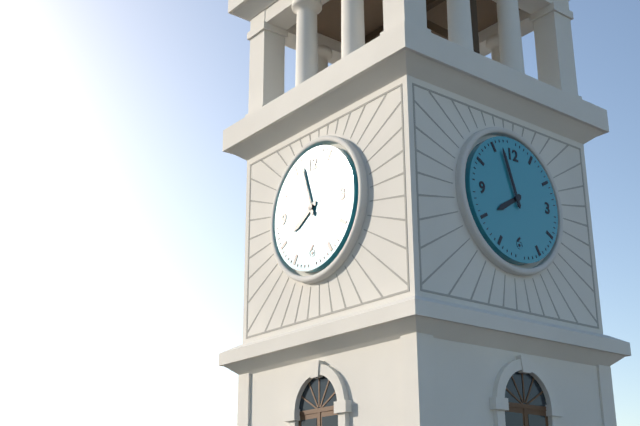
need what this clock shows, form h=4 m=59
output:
h=7 m=57
